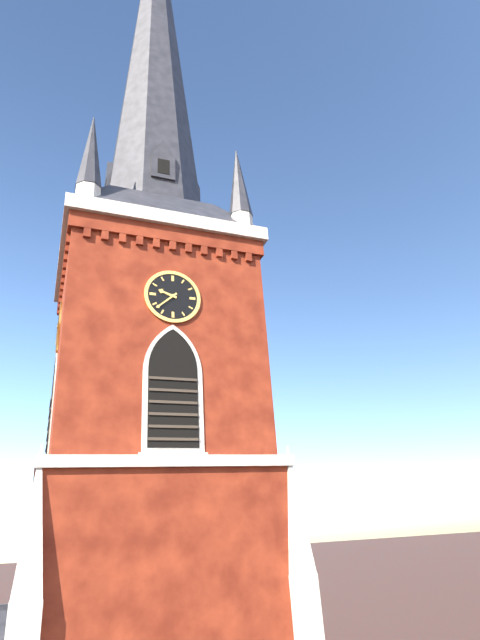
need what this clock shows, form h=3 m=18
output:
h=9 m=38
